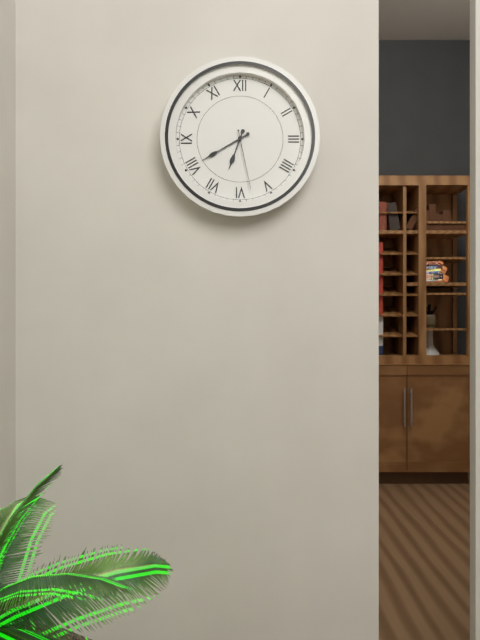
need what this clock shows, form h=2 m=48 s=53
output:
h=6 m=40 s=28
